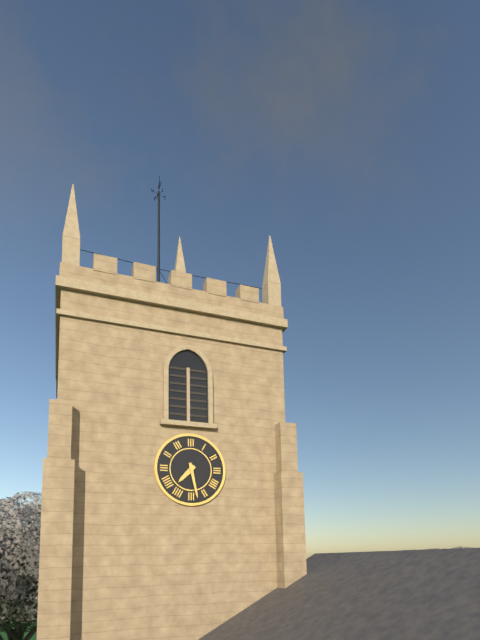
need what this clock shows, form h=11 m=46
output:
h=7 m=28
